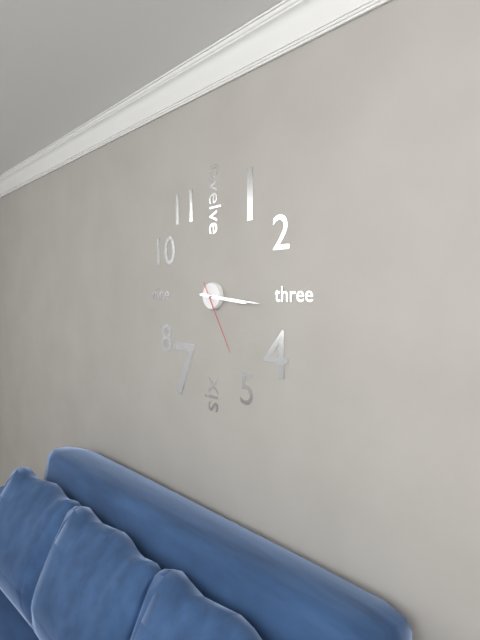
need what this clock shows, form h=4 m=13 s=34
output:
h=3 m=16 s=25
